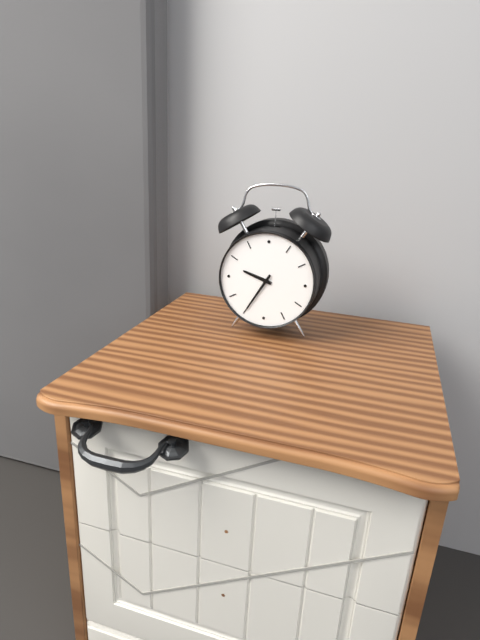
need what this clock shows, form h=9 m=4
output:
h=9 m=35
